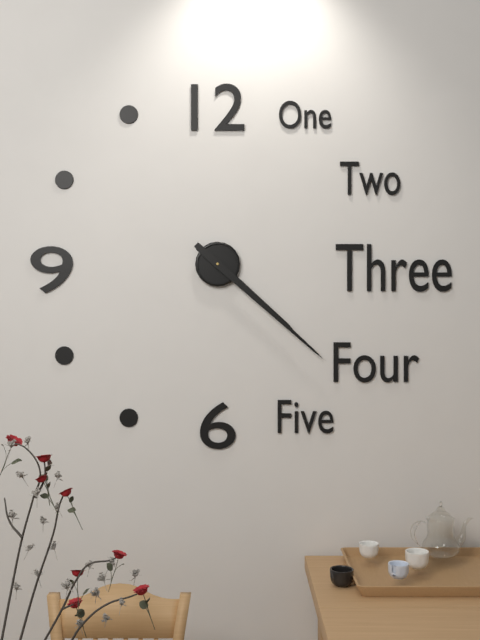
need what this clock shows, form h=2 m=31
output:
h=4 m=22
